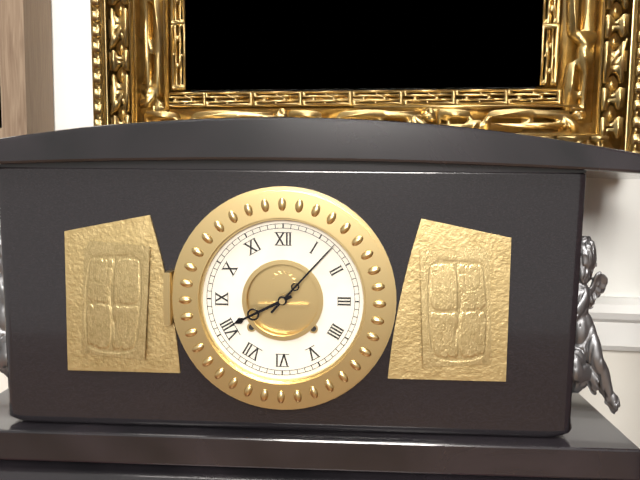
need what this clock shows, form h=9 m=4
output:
h=8 m=7
